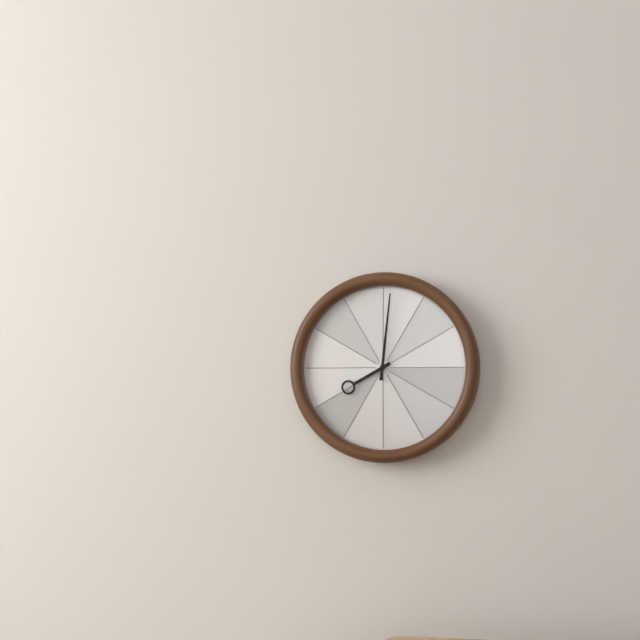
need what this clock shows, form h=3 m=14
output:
h=8 m=1
